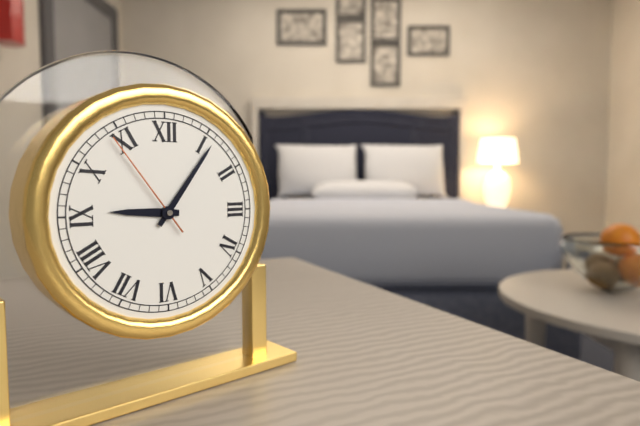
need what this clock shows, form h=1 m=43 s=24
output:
h=9 m=6 s=54
